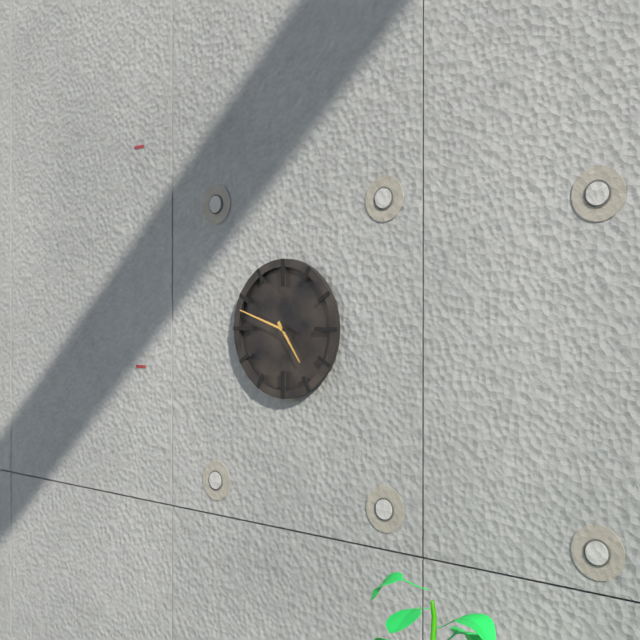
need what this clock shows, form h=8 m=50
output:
h=4 m=48
